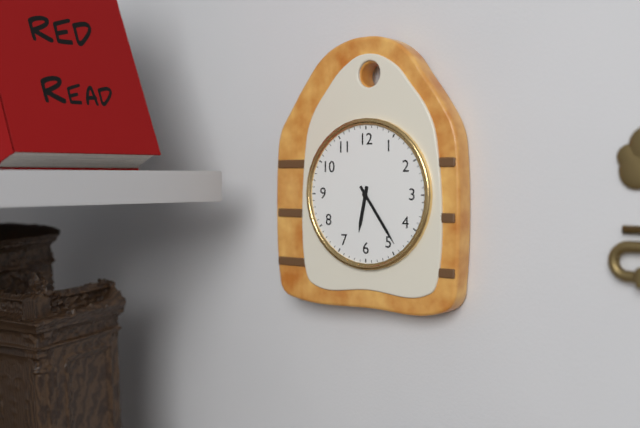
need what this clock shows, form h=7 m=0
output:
h=6 m=24
